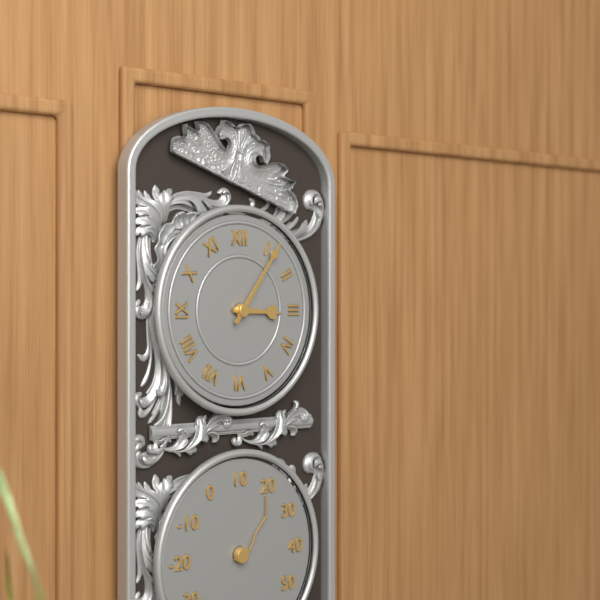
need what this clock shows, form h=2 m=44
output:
h=3 m=6
